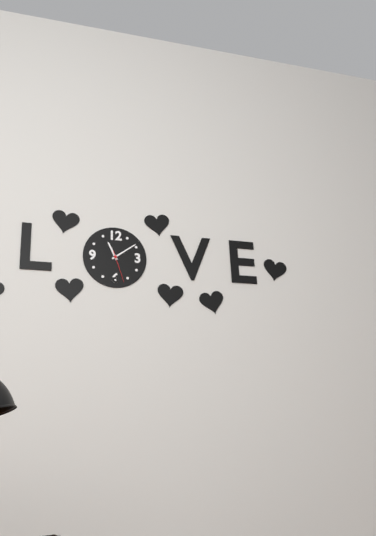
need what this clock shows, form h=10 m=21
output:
h=11 m=9
